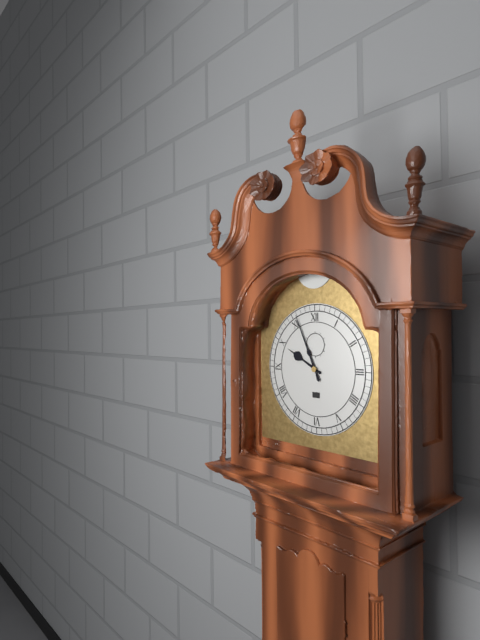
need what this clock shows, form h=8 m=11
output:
h=9 m=56
